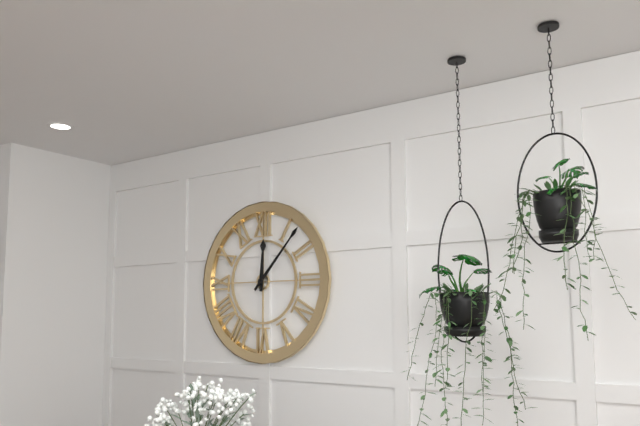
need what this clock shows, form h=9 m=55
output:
h=12 m=7
